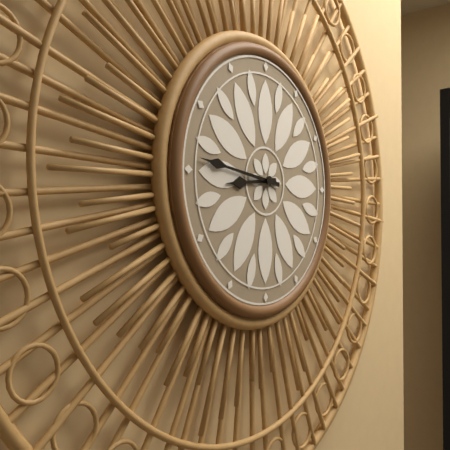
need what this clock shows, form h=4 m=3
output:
h=8 m=46
